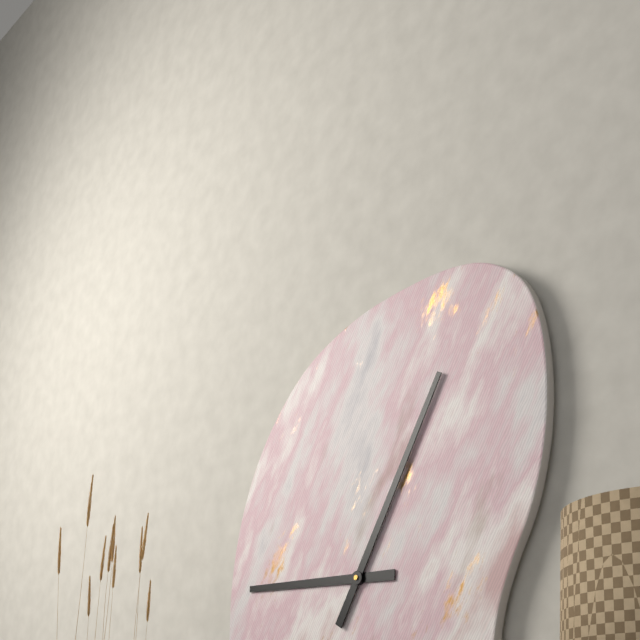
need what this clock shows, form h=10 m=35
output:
h=9 m=5
